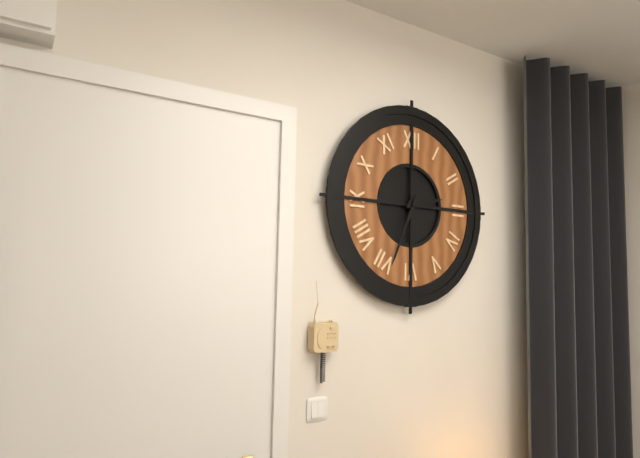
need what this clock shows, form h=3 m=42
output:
h=2 m=34
